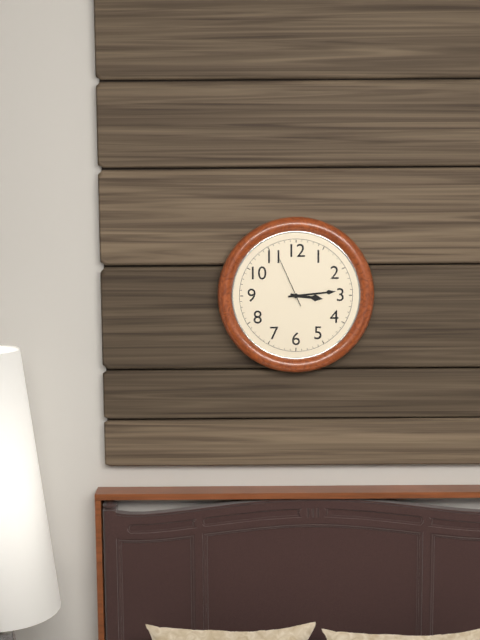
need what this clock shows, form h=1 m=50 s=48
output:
h=3 m=14 s=56
